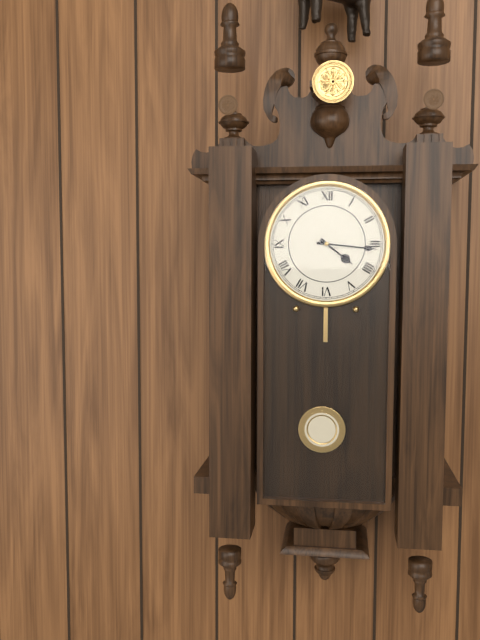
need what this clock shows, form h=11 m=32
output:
h=4 m=16
